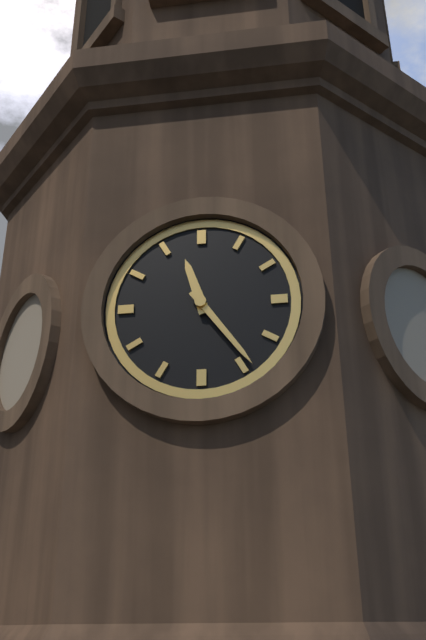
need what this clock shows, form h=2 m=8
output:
h=11 m=24
